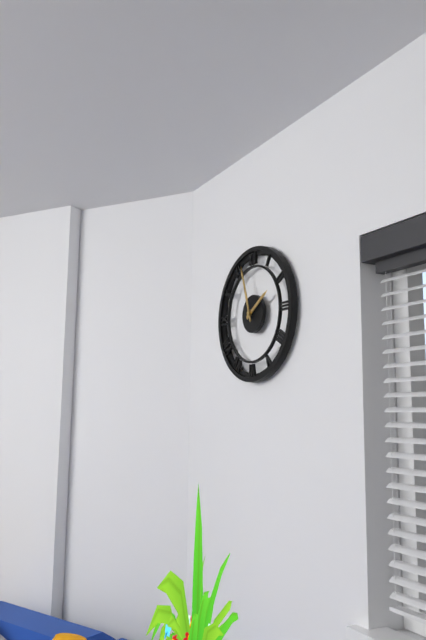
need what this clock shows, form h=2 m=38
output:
h=1 m=57
